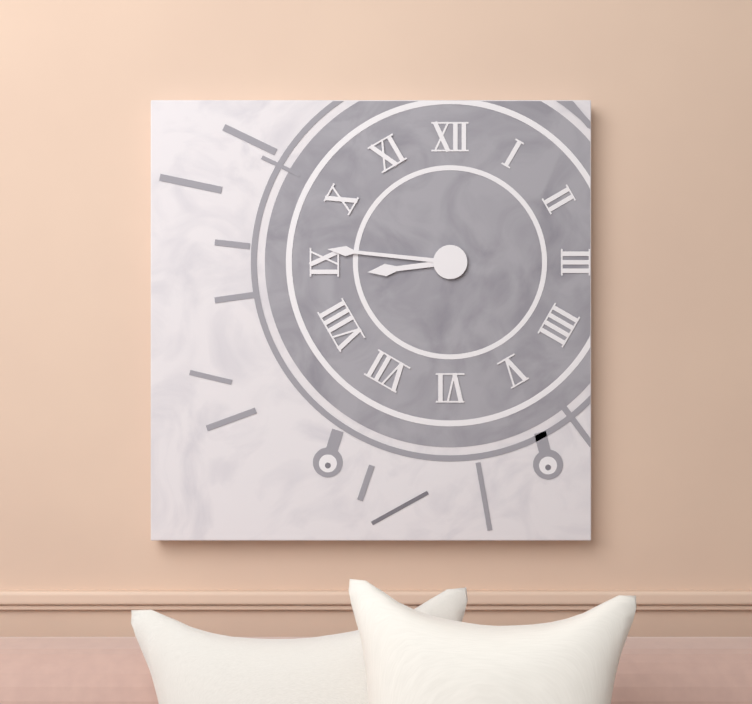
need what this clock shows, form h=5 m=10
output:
h=8 m=46
